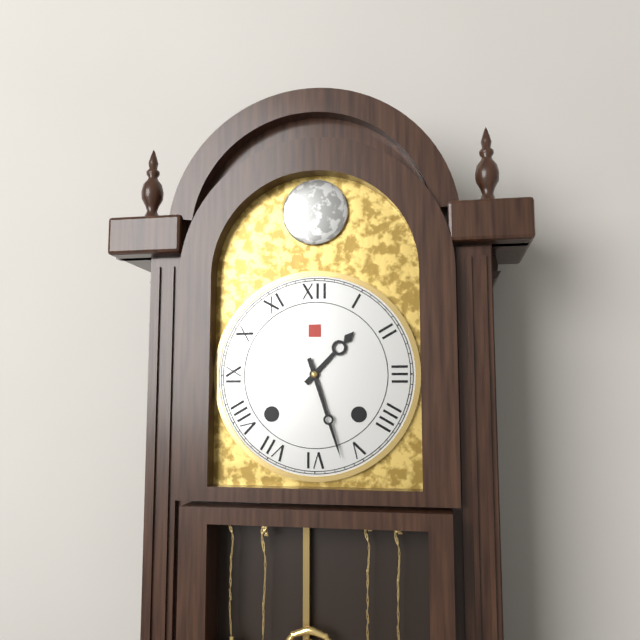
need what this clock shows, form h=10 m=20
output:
h=1 m=27
